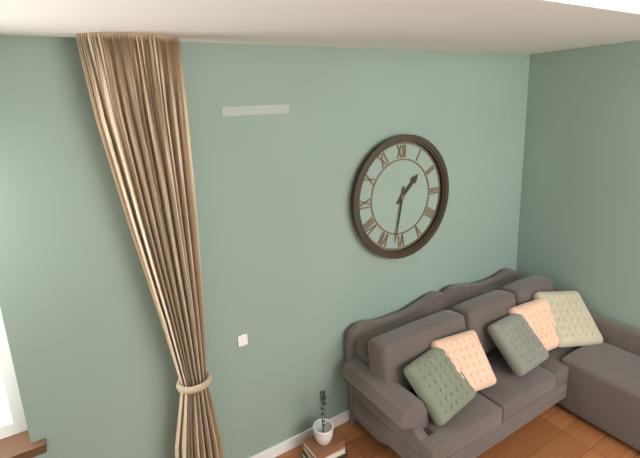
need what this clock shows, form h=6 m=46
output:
h=1 m=32
